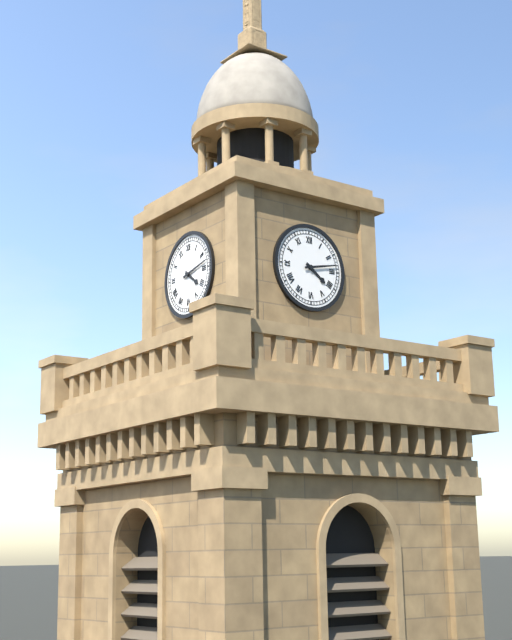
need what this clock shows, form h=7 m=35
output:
h=4 m=13
